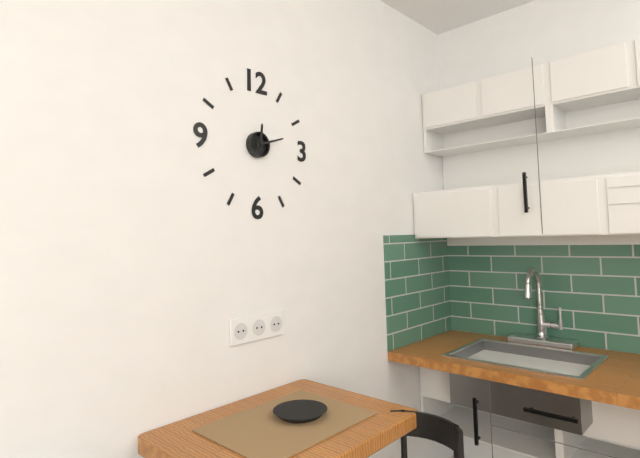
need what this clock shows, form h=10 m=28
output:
h=12 m=12
